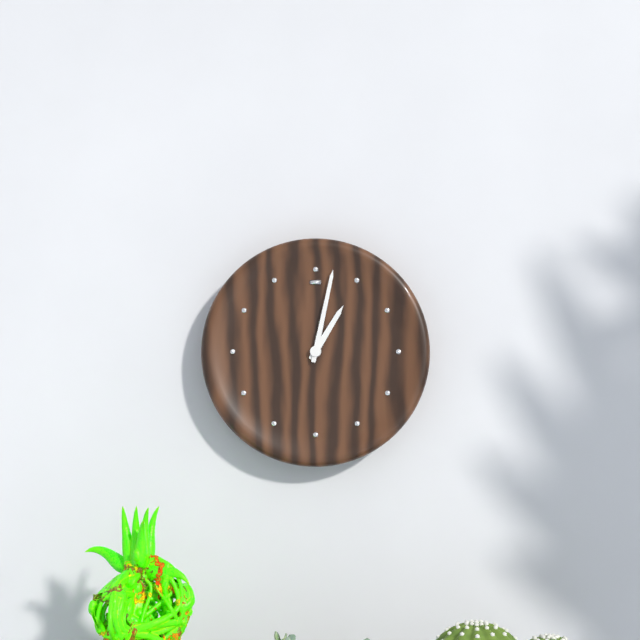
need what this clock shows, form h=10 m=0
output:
h=1 m=2
